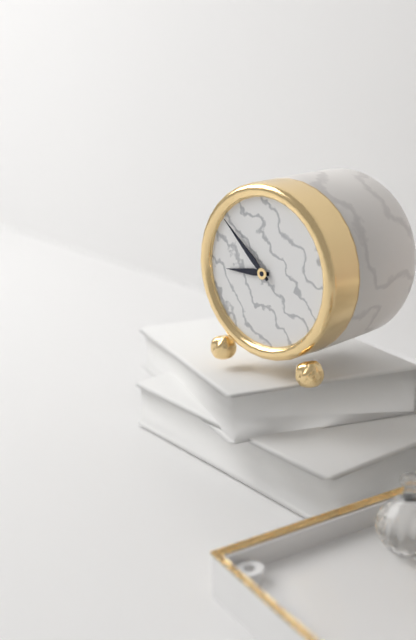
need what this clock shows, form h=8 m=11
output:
h=8 m=52
